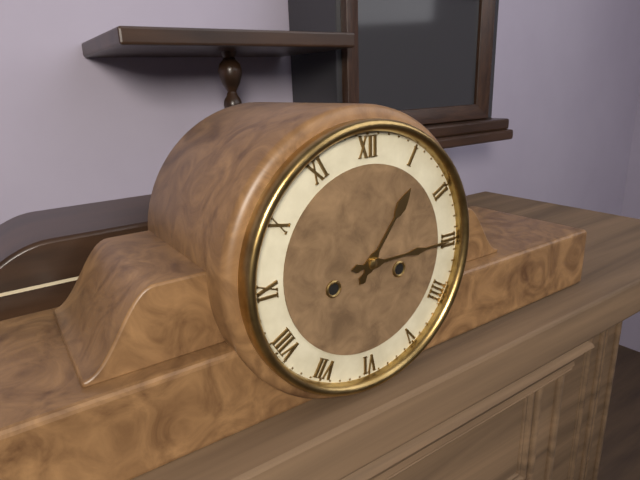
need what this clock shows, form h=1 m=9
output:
h=1 m=15
